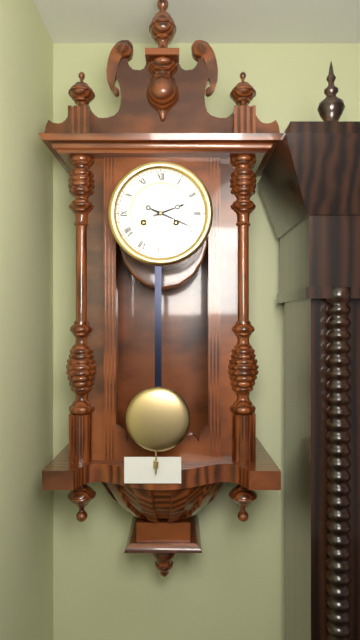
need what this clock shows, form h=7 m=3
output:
h=2 m=19
